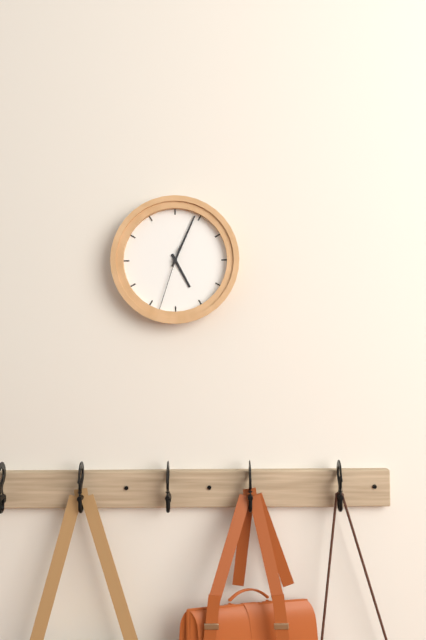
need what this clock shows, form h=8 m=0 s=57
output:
h=5 m=4 s=33
